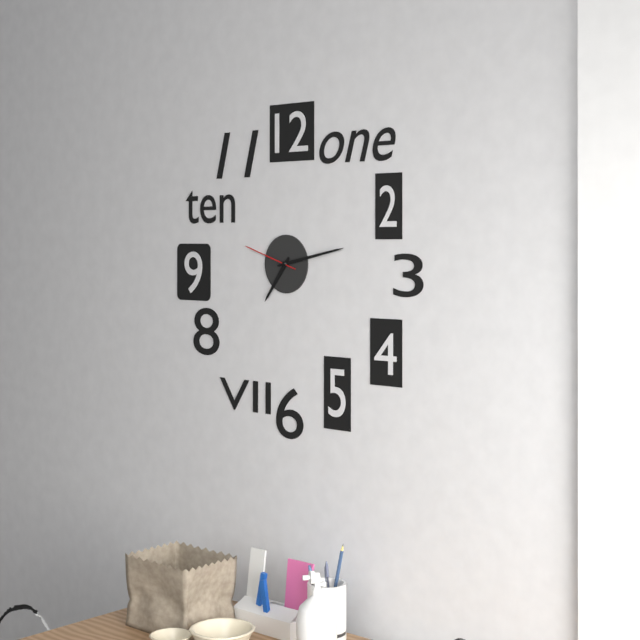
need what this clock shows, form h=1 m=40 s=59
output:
h=7 m=13 s=48
